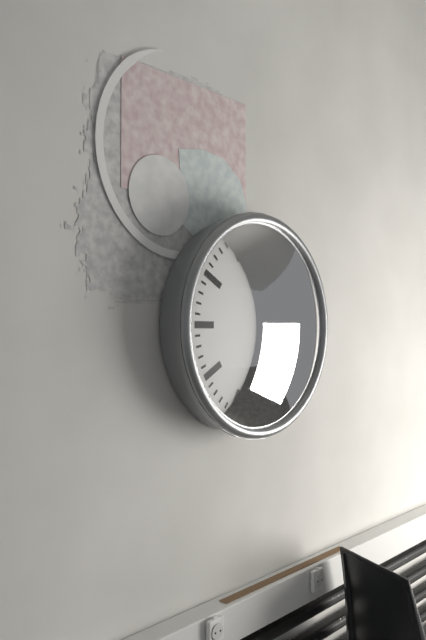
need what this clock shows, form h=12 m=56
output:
h=11 m=32
